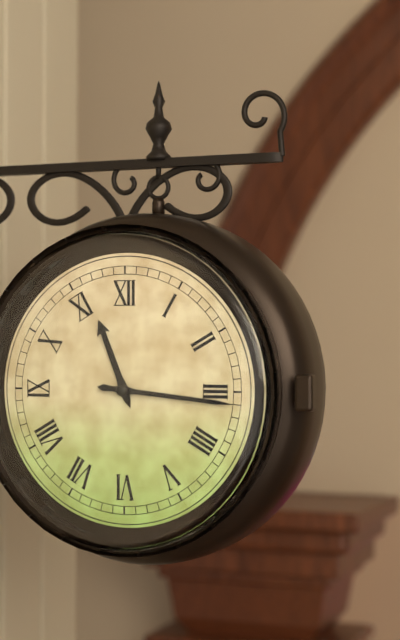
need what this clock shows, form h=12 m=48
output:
h=11 m=16
